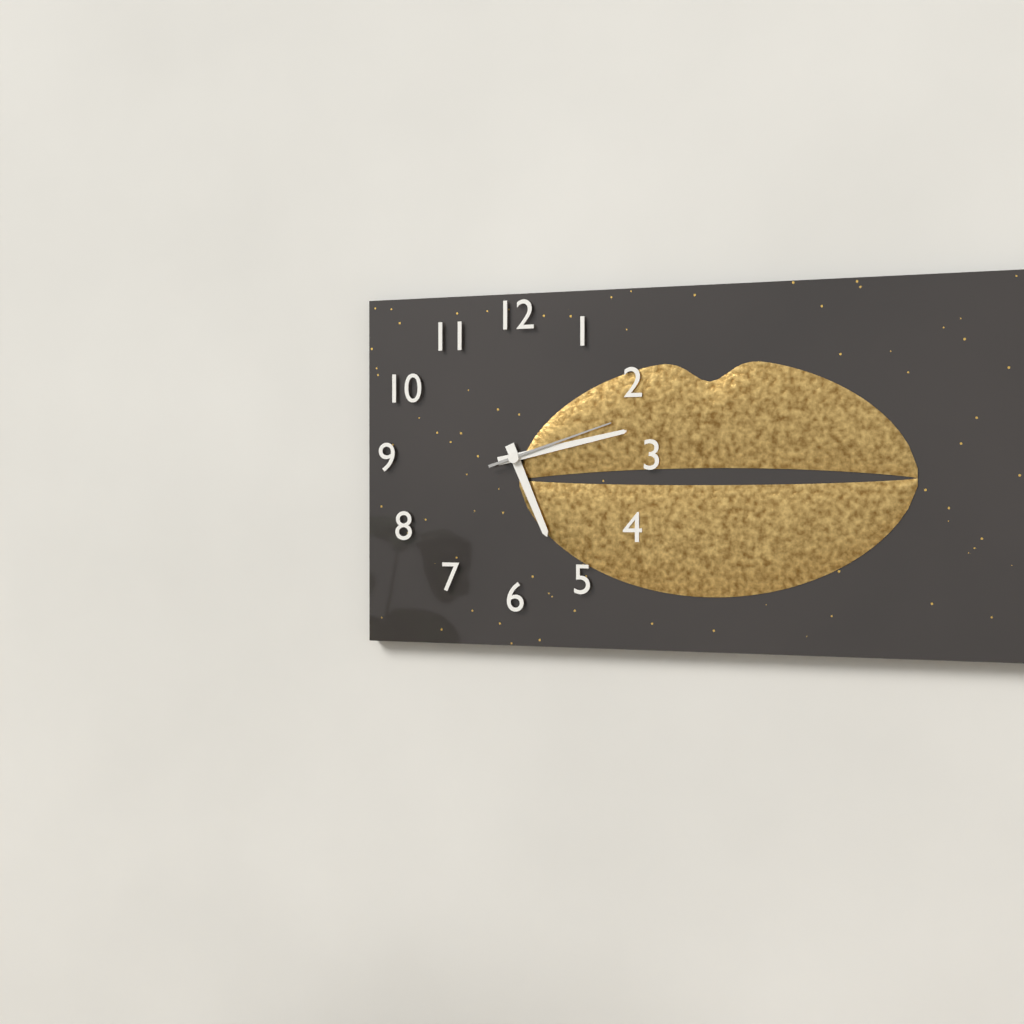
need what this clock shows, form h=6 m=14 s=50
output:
h=5 m=13 s=12
